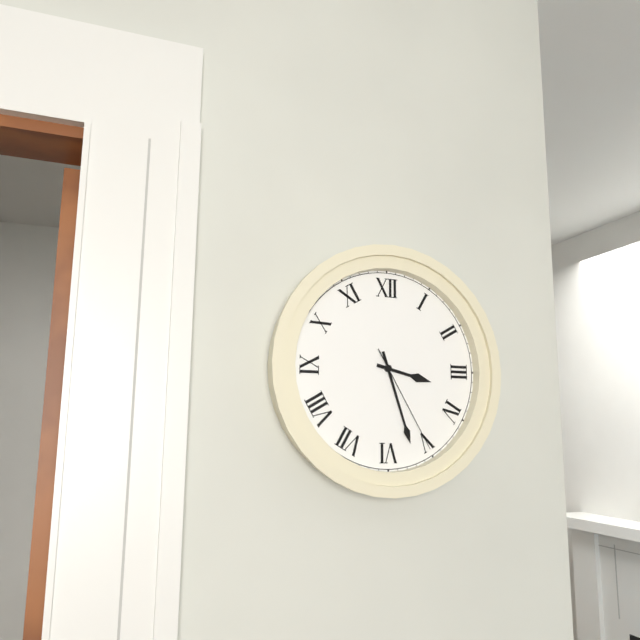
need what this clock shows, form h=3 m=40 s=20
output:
h=3 m=27 s=25
